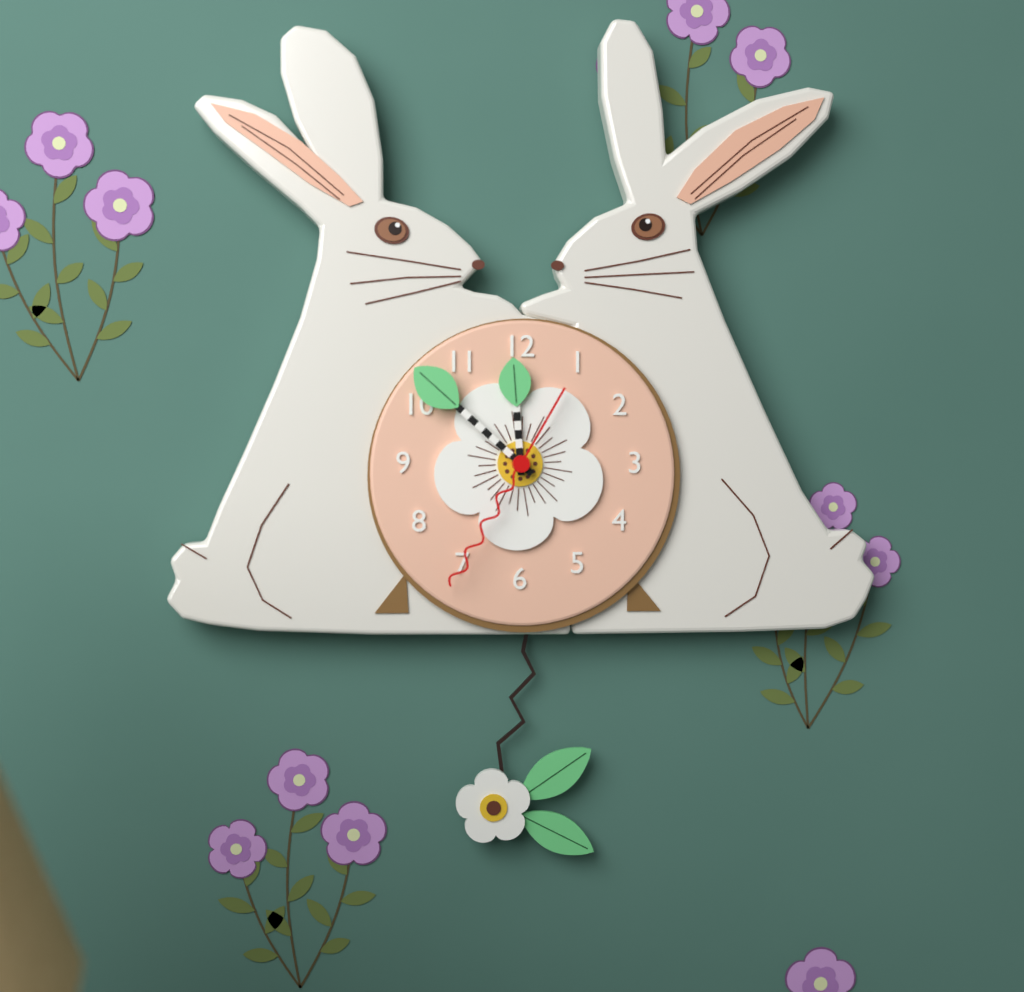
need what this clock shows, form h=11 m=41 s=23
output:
h=11 m=52 s=35
